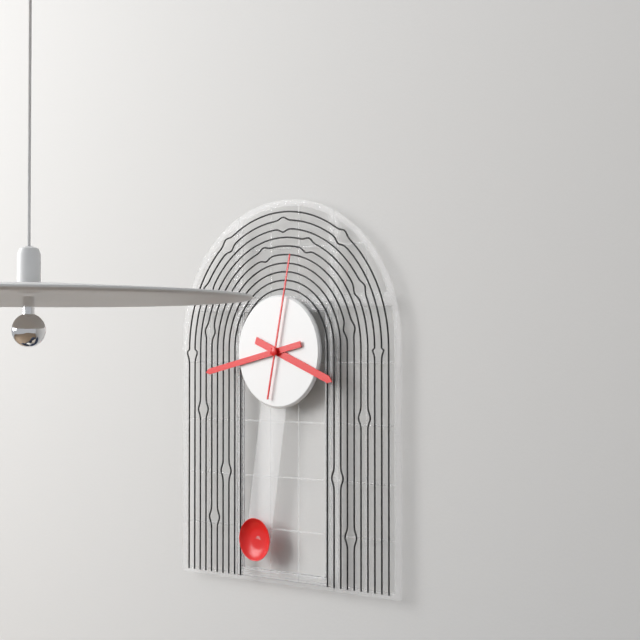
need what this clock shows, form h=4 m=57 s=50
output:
h=3 m=43 s=2
